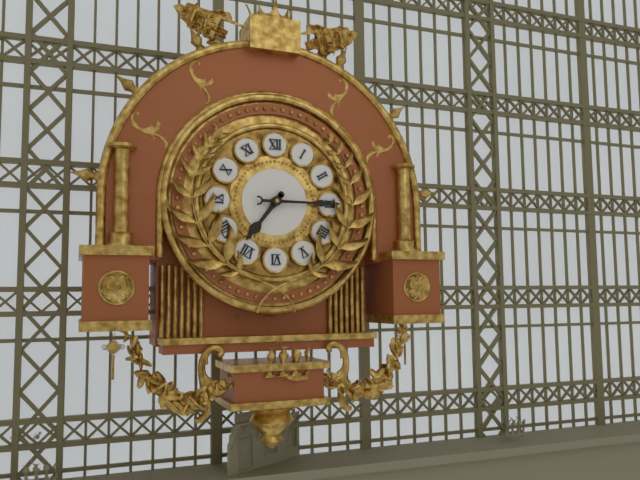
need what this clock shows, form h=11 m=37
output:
h=7 m=15
